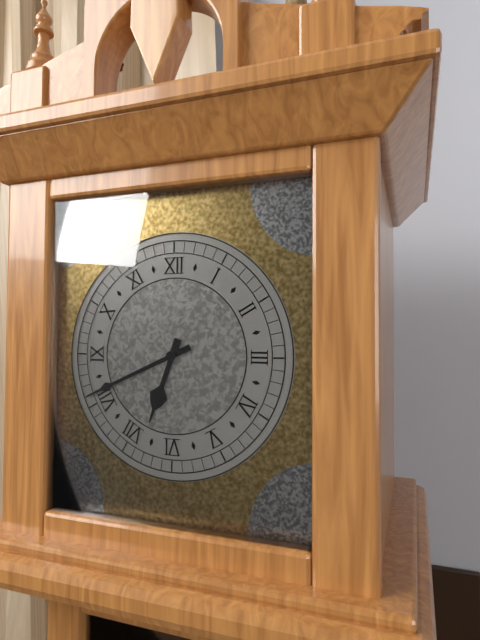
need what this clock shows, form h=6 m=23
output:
h=6 m=41
